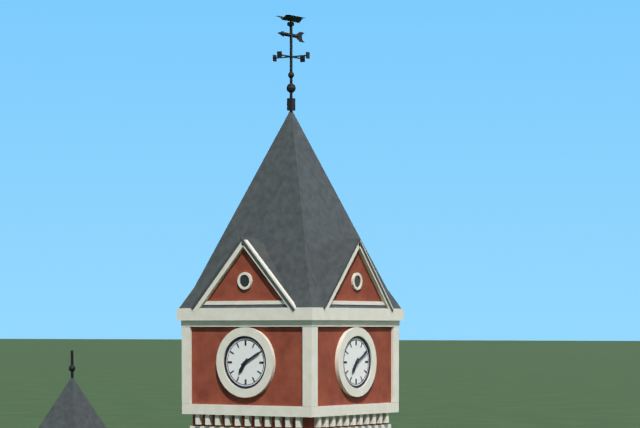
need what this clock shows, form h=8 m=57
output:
h=7 m=10
